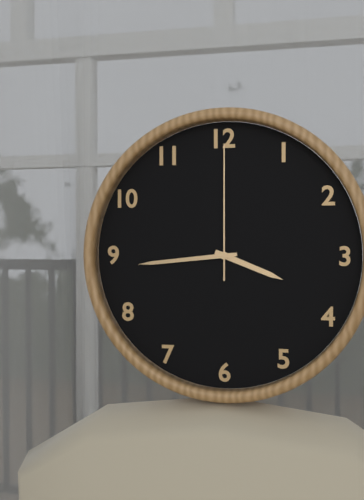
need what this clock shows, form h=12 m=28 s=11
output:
h=3 m=44 s=0
